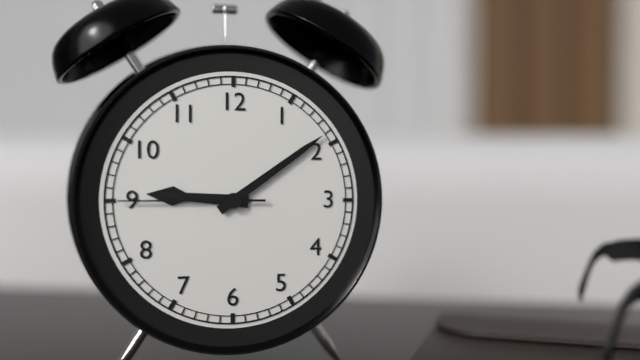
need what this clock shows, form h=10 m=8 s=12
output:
h=9 m=9 s=45
